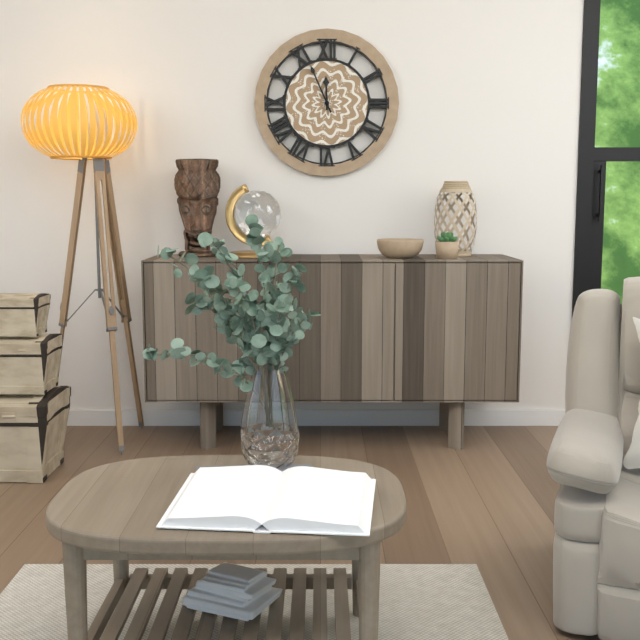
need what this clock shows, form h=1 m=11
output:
h=11 m=56
